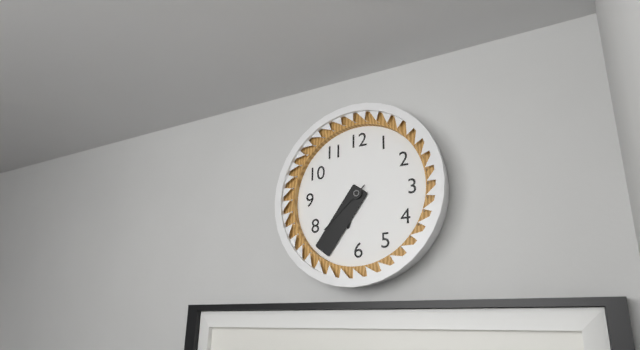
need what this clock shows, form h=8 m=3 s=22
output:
h=6 m=36 s=38
